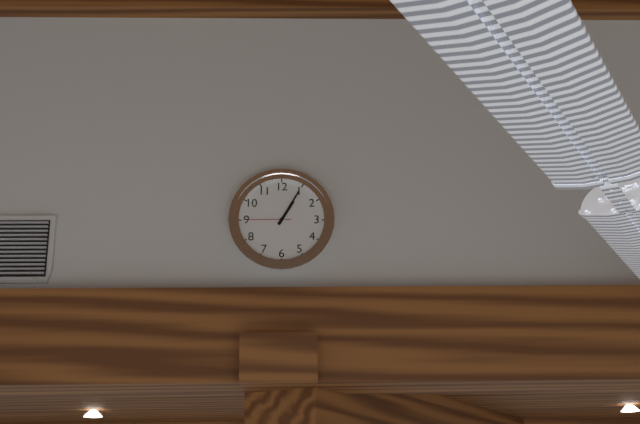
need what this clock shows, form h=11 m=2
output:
h=1 m=5
